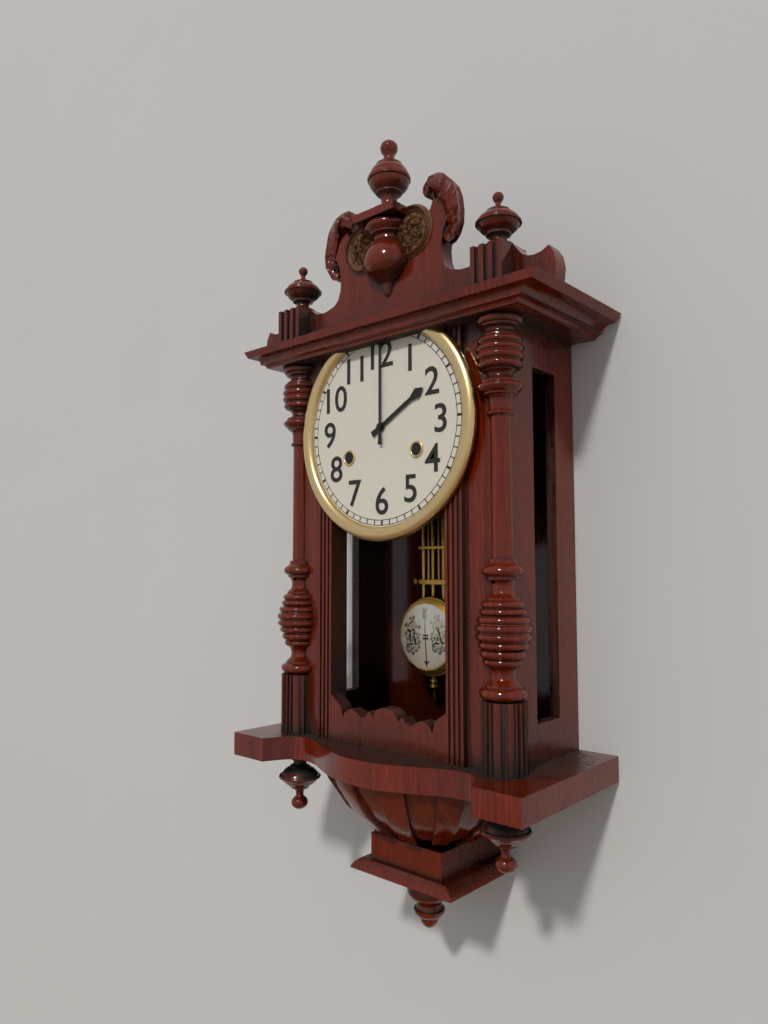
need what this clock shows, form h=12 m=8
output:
h=2 m=0
